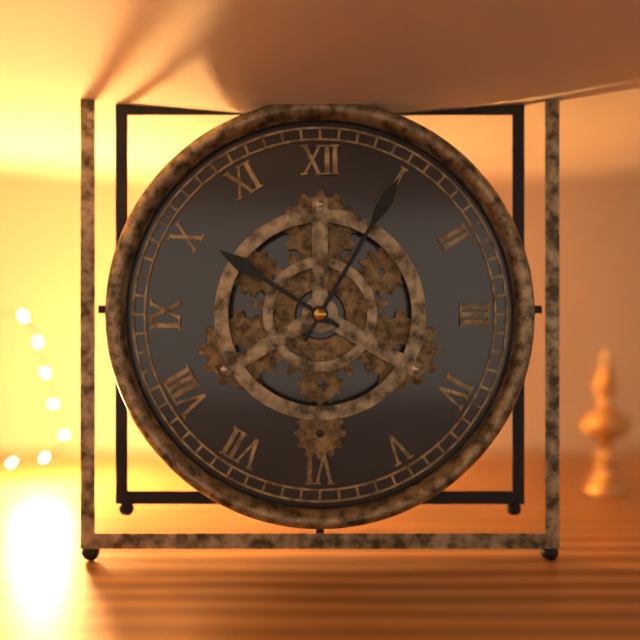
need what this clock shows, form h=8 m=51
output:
h=10 m=5
